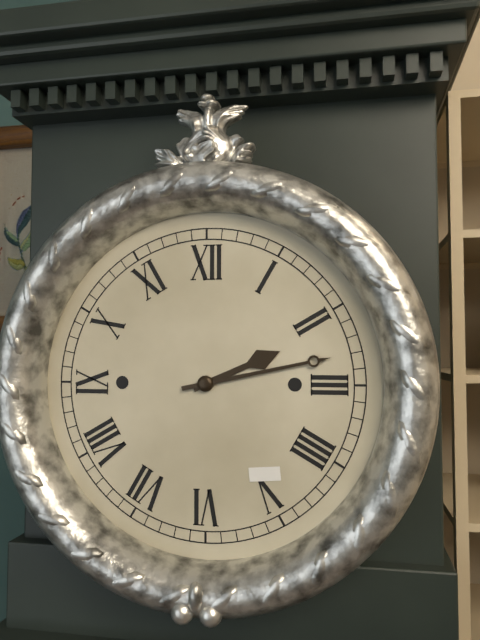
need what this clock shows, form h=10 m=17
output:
h=2 m=13
